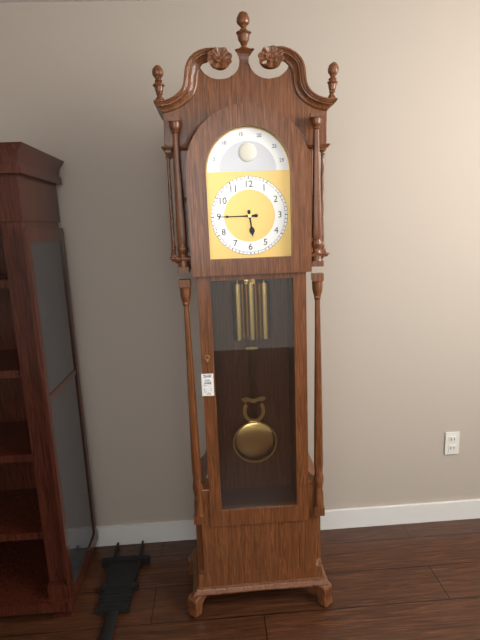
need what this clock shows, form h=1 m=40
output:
h=5 m=45
